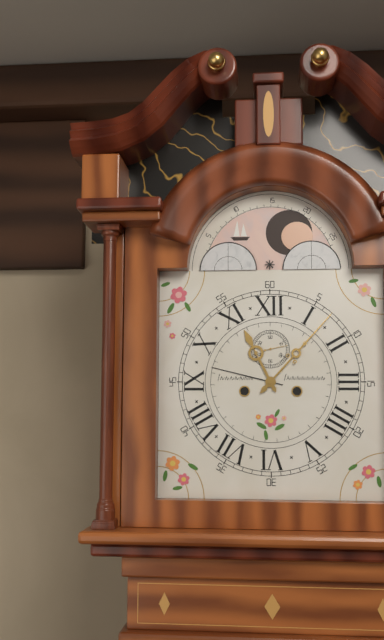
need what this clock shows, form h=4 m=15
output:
h=11 m=7
